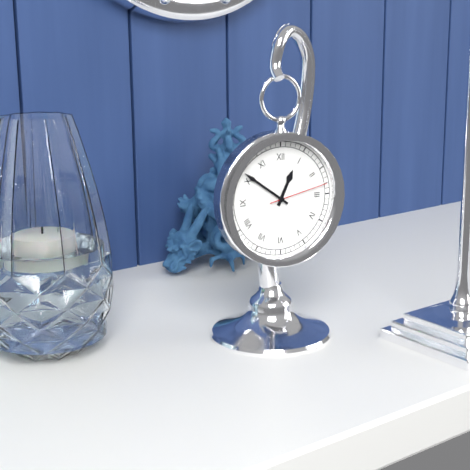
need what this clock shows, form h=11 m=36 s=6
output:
h=12 m=51 s=13
